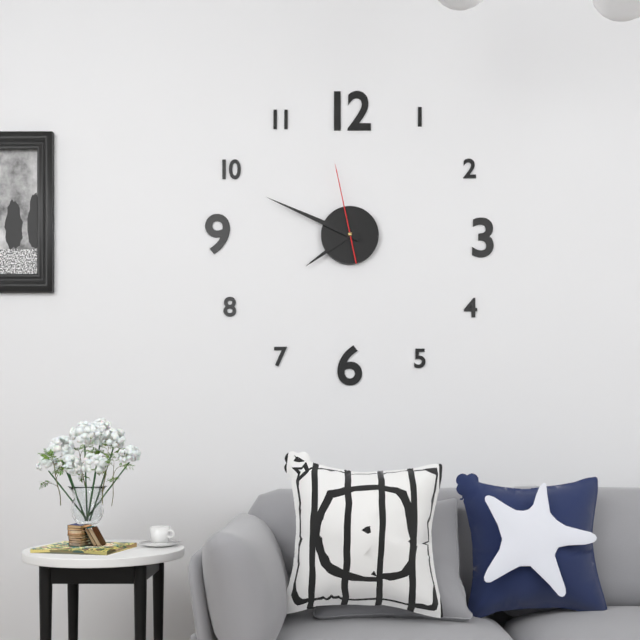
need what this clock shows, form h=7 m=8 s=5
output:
h=7 m=49 s=58
